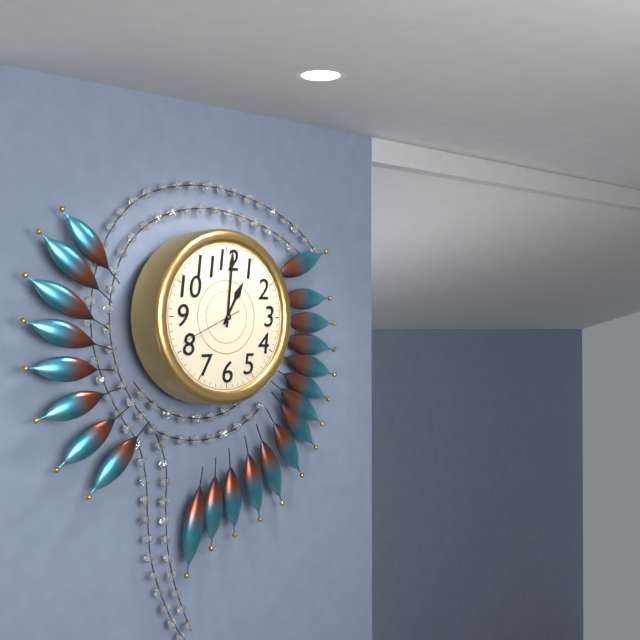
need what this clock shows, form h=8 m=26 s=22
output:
h=1 m=1 s=41
